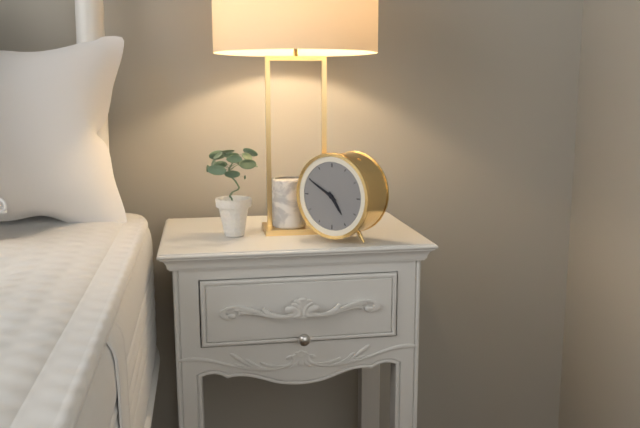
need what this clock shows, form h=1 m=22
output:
h=4 m=50
